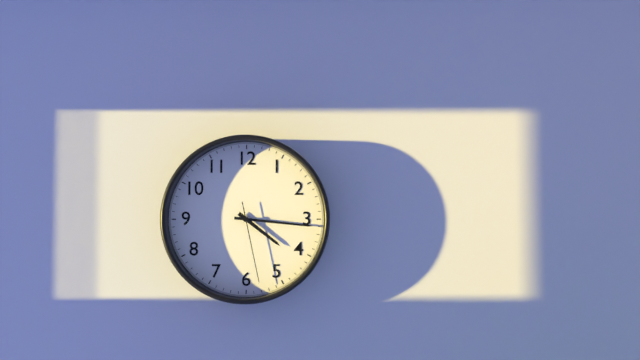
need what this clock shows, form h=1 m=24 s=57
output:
h=4 m=16 s=28
